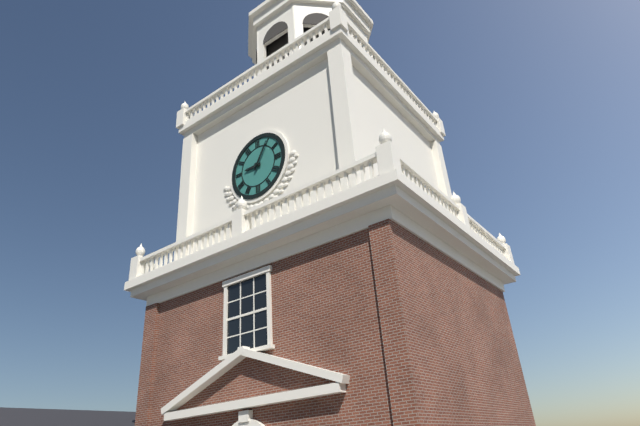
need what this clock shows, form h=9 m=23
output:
h=9 m=5
